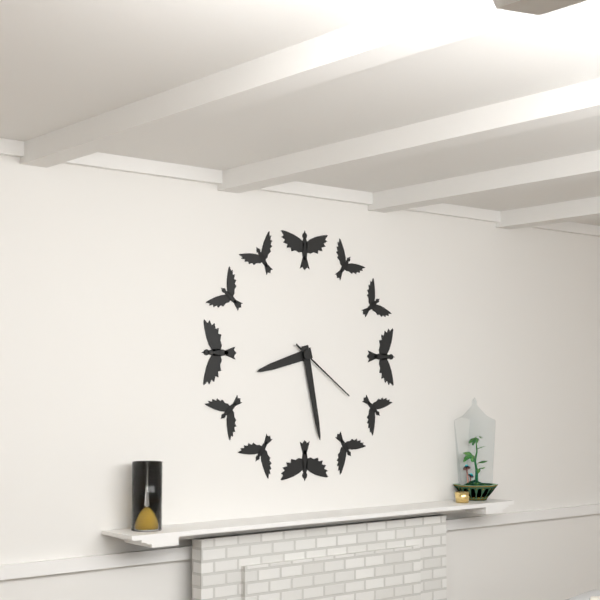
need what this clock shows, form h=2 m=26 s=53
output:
h=8 m=28 s=21
